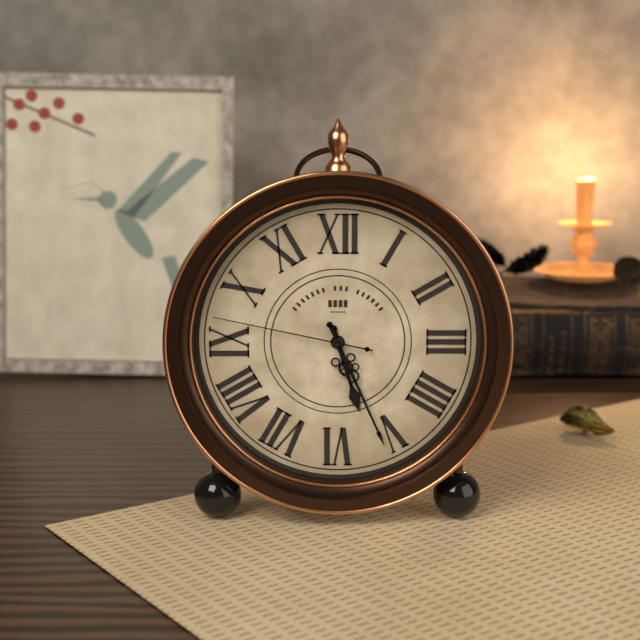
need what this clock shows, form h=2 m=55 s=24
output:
h=5 m=26 s=47
